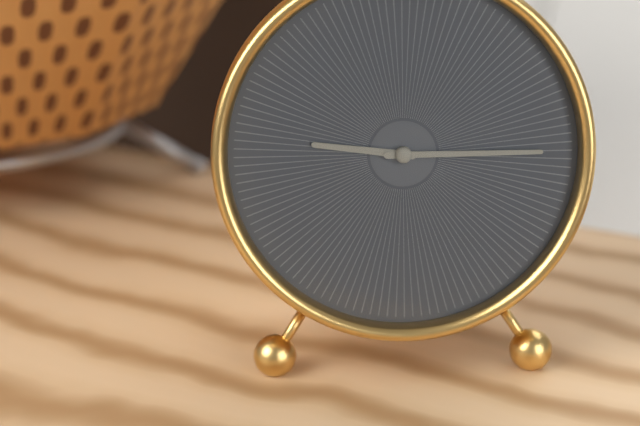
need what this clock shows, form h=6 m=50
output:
h=9 m=15
